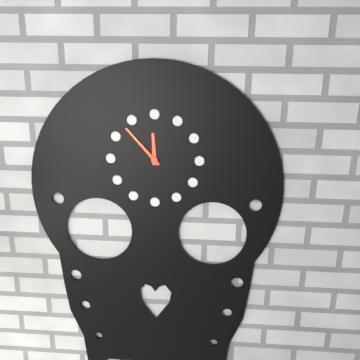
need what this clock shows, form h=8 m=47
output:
h=11 m=53
